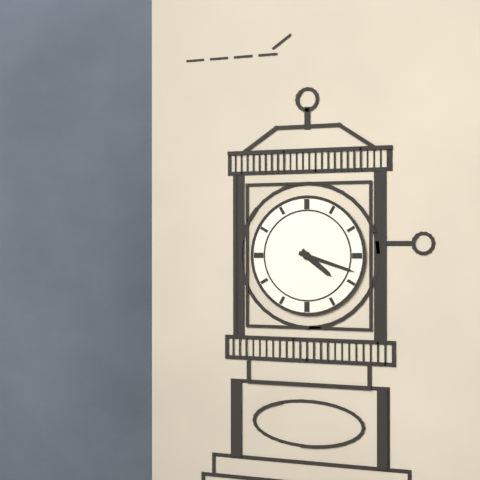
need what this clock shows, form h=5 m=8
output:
h=4 m=18
